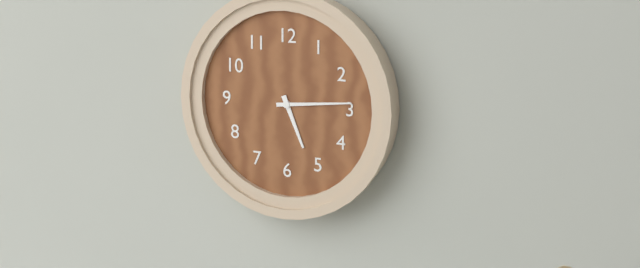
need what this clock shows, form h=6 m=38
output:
h=5 m=14
